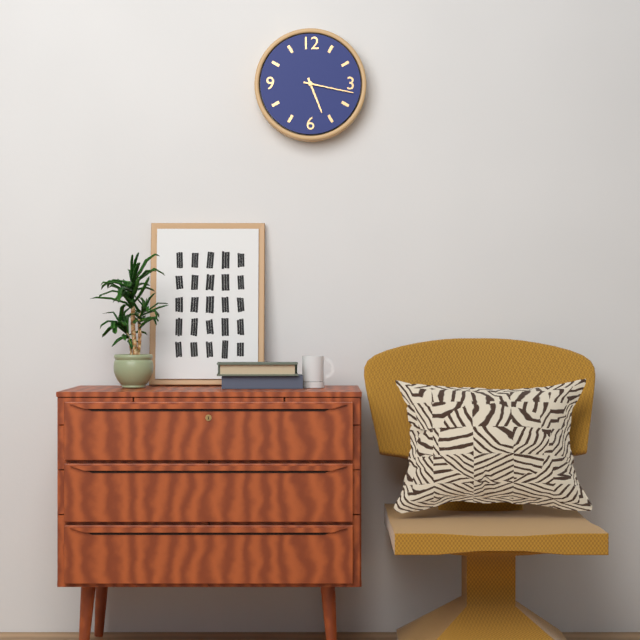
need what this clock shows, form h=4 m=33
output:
h=5 m=17
